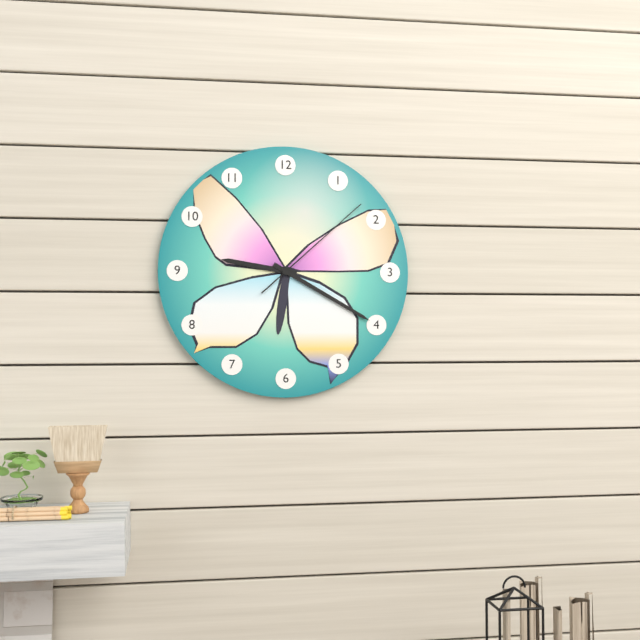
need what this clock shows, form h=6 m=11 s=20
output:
h=9 m=20 s=8
